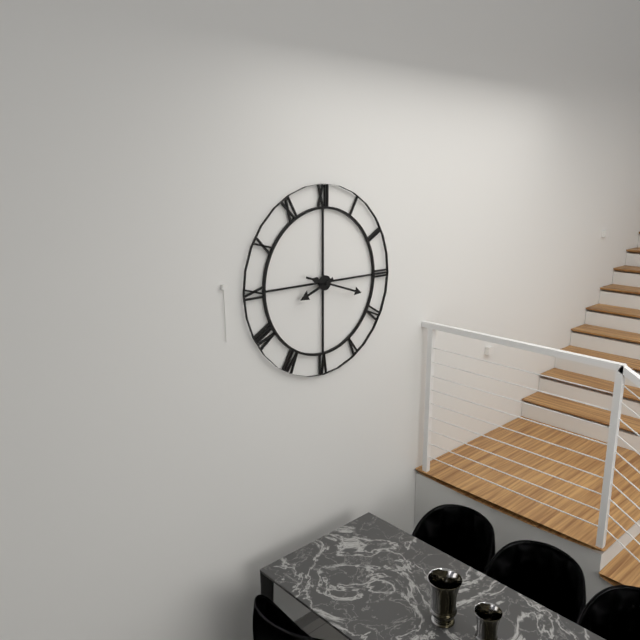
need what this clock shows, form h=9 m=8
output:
h=8 m=18
